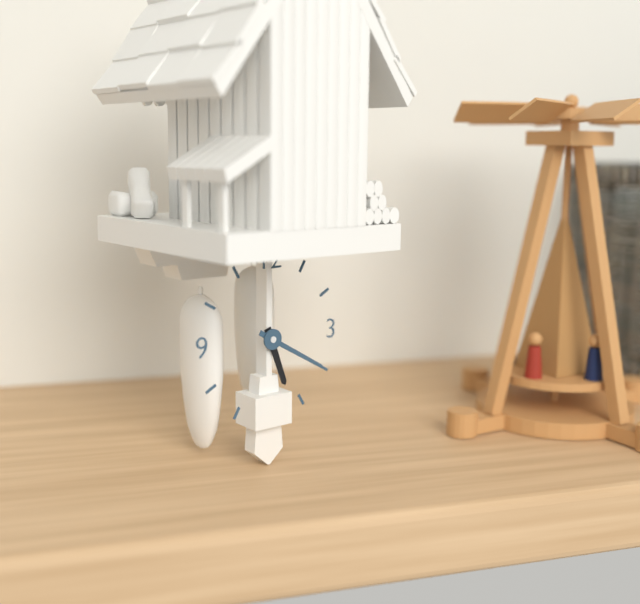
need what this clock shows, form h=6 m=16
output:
h=5 m=20
